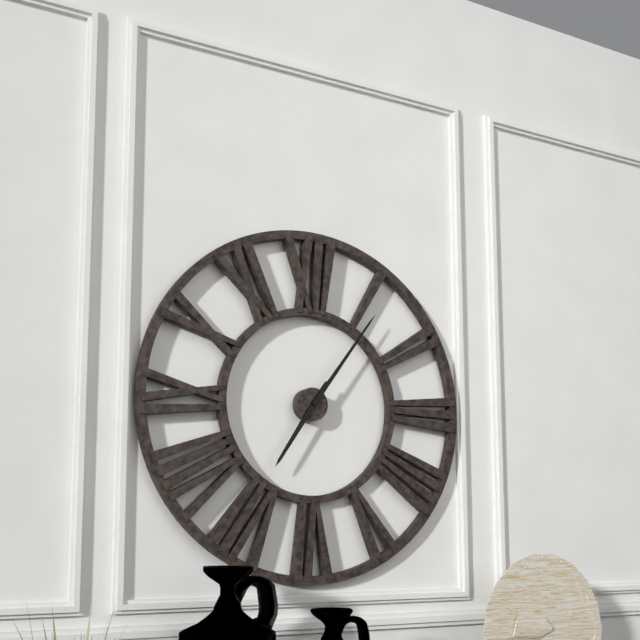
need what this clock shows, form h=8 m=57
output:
h=7 m=6
